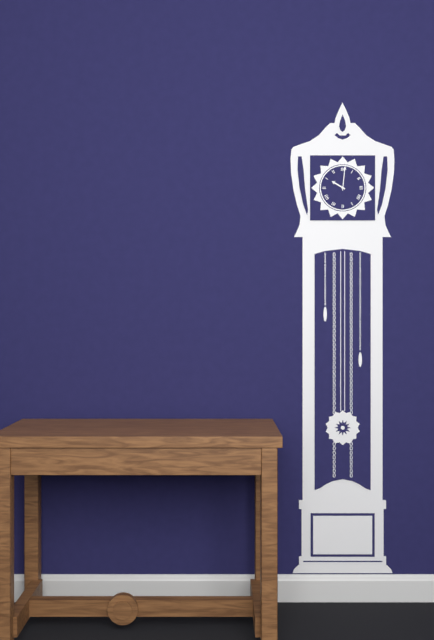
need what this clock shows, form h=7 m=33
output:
h=10 m=1
